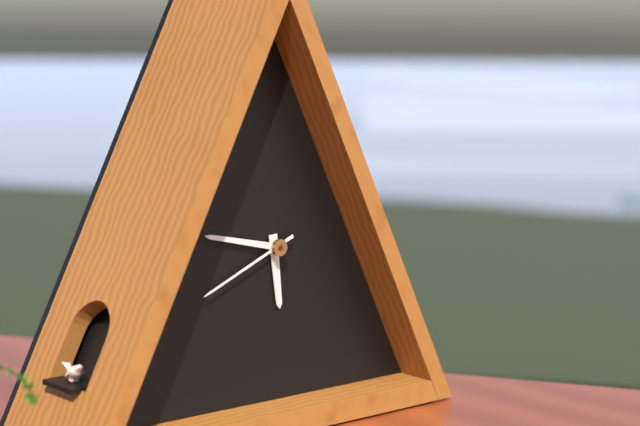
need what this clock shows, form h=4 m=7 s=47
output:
h=5 m=47 s=41
